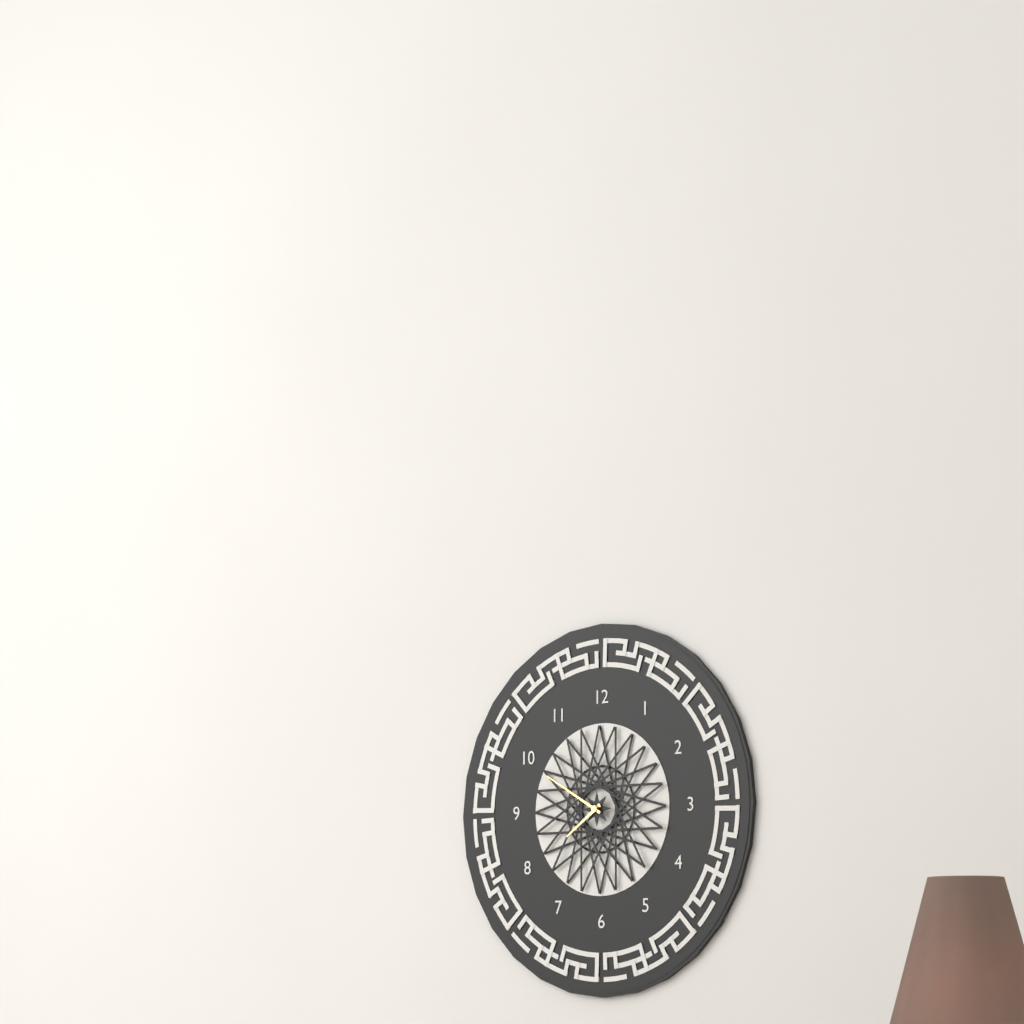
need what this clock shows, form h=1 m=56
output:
h=7 m=50
